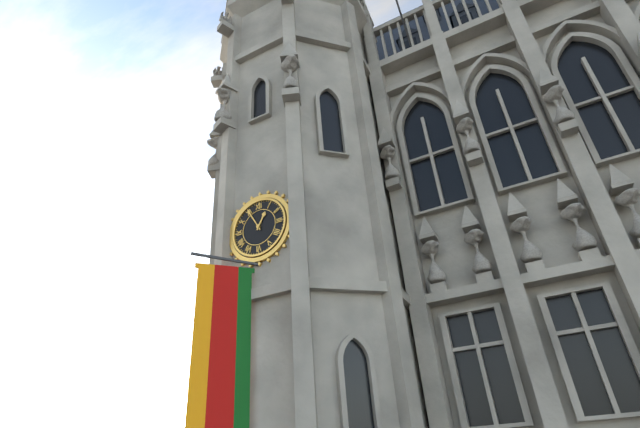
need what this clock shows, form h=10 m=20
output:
h=12 m=55
